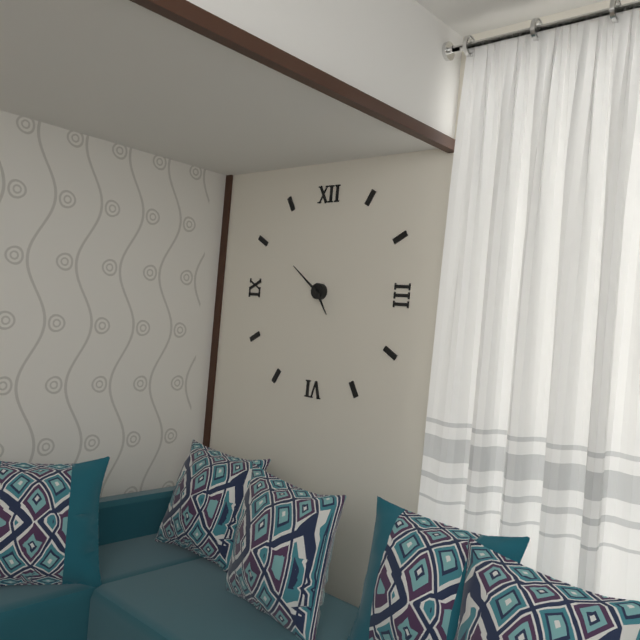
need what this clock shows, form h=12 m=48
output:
h=4 m=51
